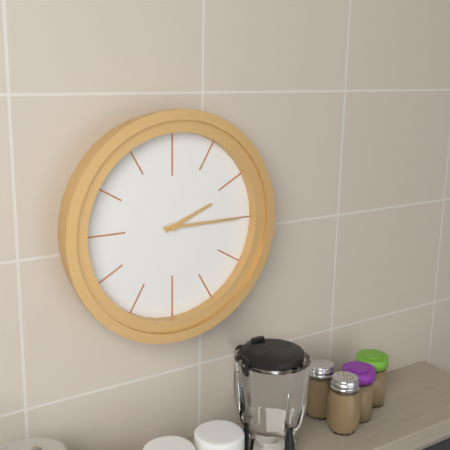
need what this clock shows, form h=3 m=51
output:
h=2 m=15
